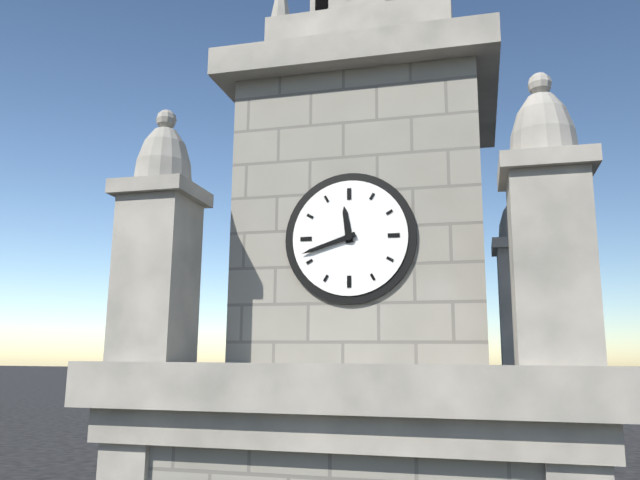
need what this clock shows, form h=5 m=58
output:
h=11 m=42
